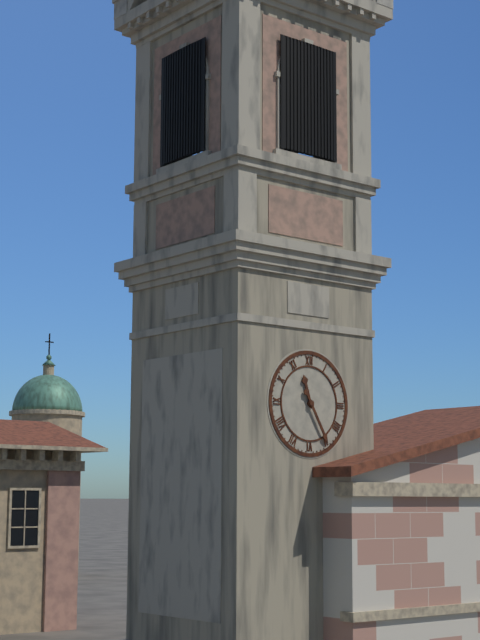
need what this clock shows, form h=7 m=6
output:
h=11 m=25
